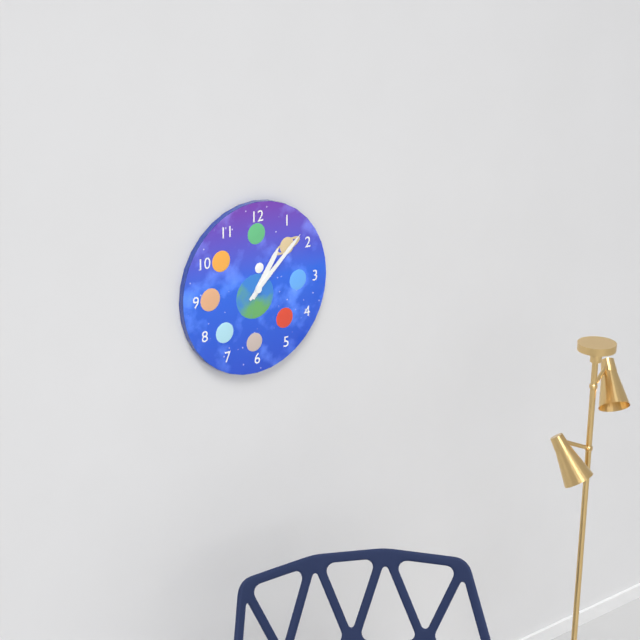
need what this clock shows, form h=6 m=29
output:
h=1 m=8
